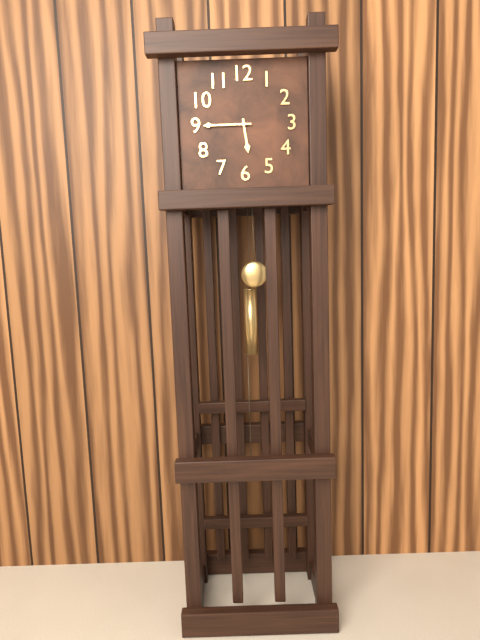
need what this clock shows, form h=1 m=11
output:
h=5 m=45
